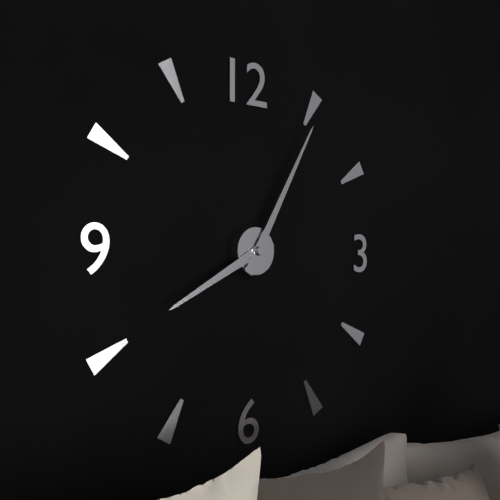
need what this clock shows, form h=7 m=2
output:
h=8 m=5
